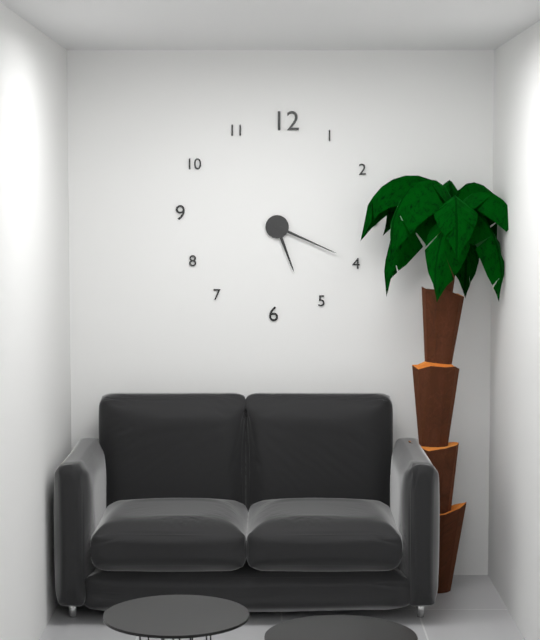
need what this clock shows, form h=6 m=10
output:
h=5 m=19
